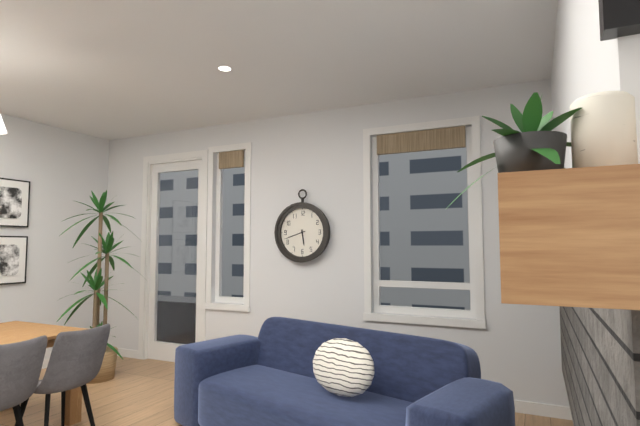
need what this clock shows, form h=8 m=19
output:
h=5 m=42
